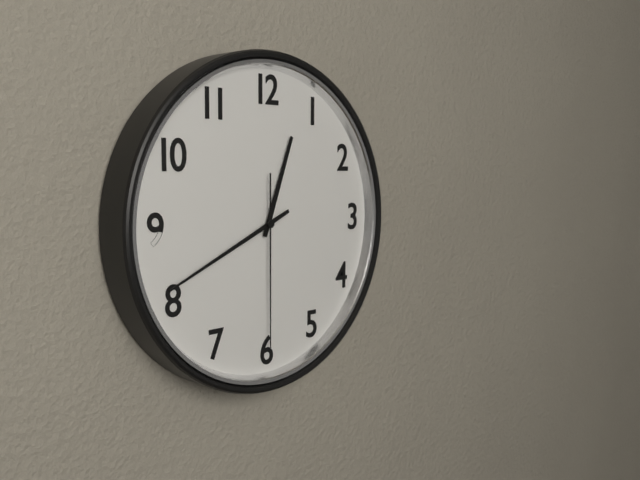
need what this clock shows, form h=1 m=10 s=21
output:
h=12 m=41 s=30
